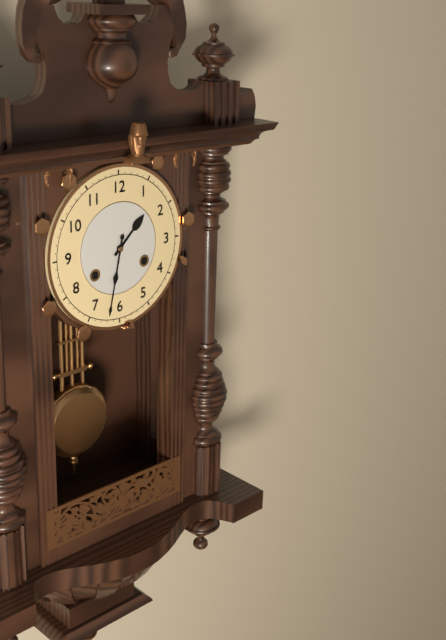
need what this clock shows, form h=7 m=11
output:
h=1 m=32
